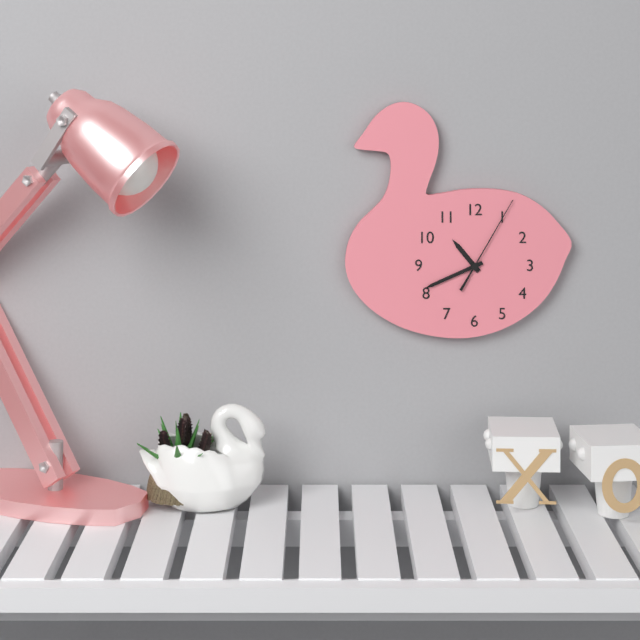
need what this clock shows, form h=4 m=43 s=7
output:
h=10 m=41 s=5
